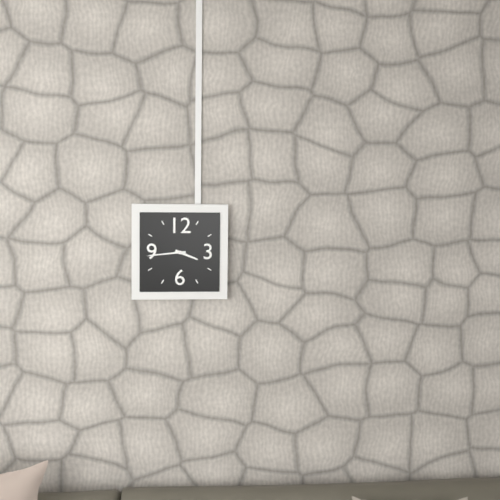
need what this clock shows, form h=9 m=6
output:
h=3 m=44
